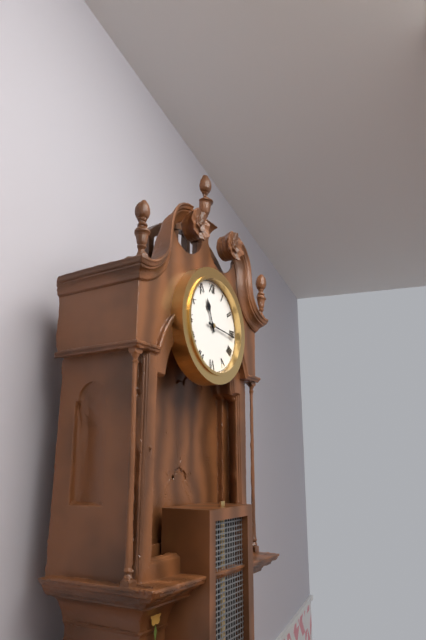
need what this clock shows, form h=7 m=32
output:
h=11 m=16
